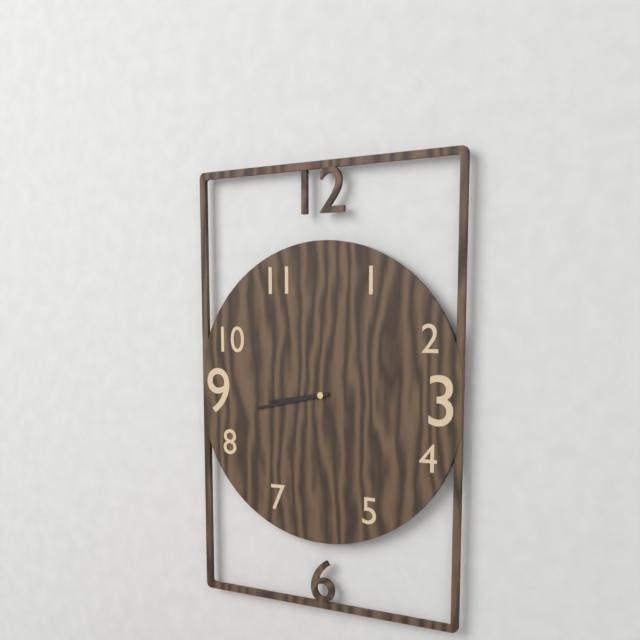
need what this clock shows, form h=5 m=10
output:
h=8 m=43
